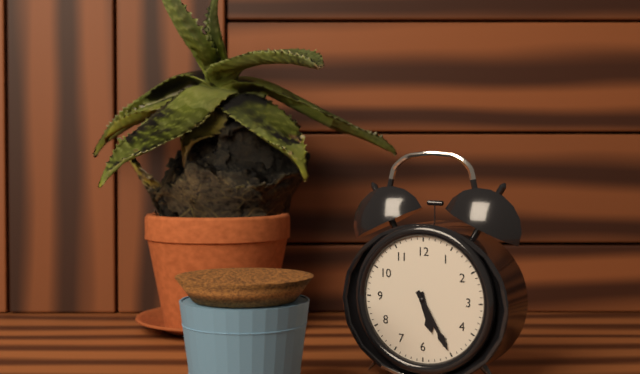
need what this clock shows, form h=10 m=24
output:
h=5 m=25
